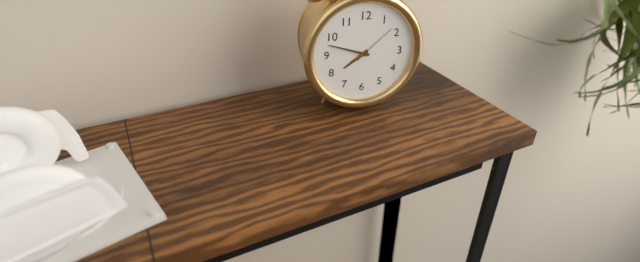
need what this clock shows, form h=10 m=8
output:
h=7 m=48
